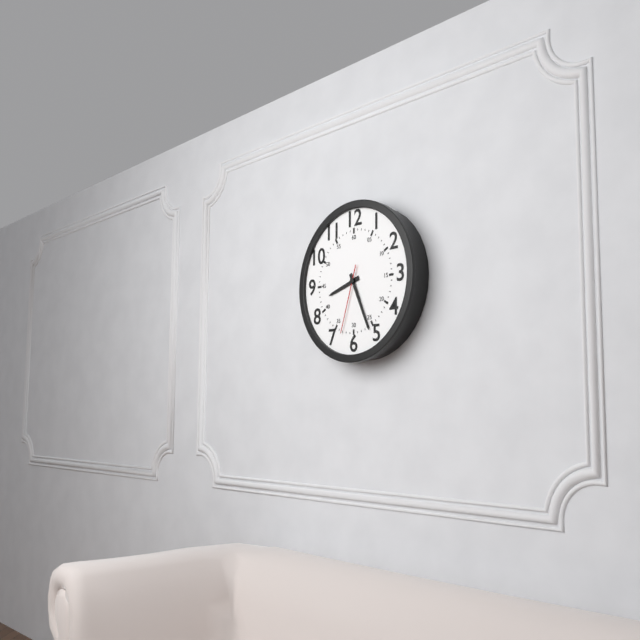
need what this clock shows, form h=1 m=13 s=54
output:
h=8 m=26 s=33
